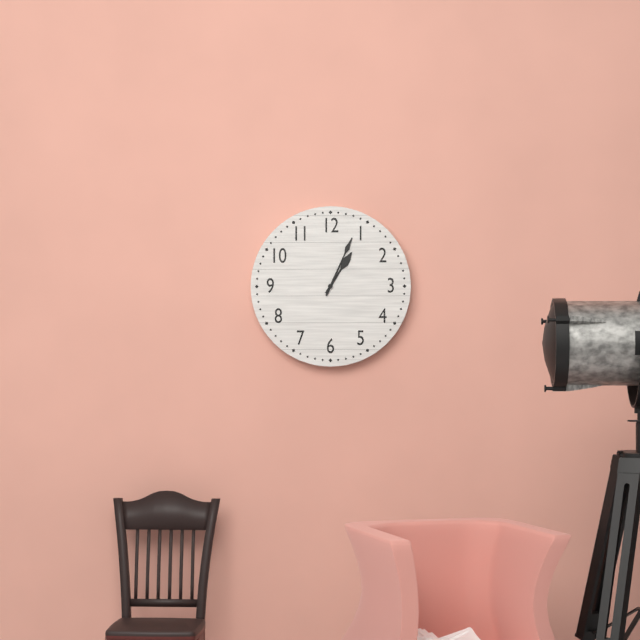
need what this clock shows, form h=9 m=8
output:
h=1 m=4
